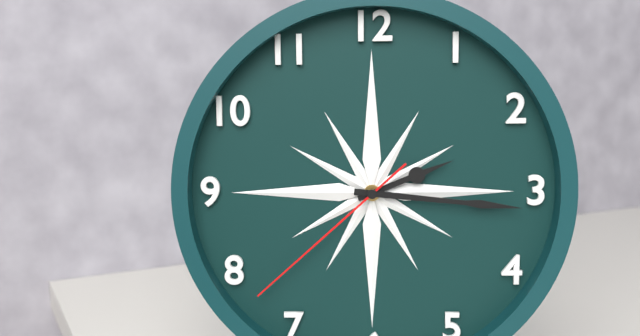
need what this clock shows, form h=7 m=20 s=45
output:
h=2 m=16 s=38
